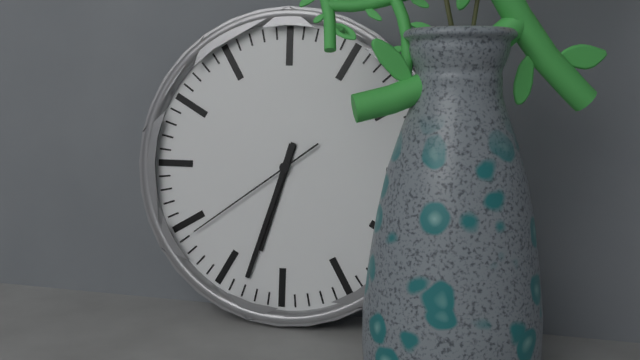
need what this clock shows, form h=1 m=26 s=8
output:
h=6 m=33 s=39
